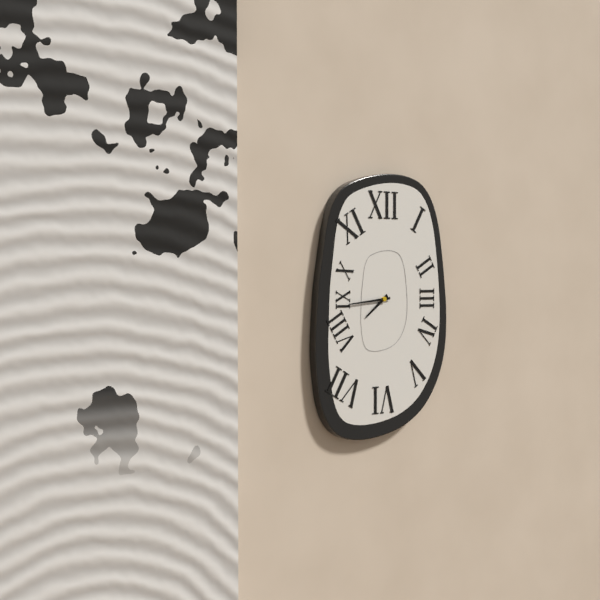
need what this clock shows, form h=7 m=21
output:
h=7 m=44
